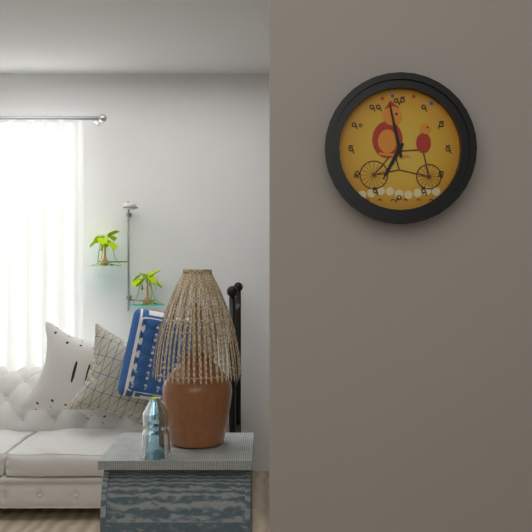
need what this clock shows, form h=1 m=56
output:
h=6 m=58
